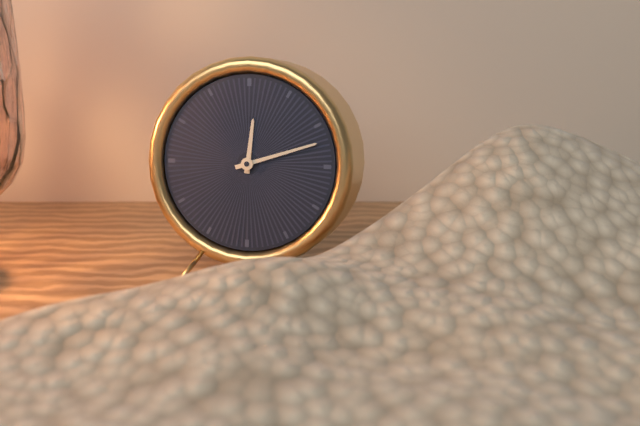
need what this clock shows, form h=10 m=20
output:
h=12 m=12
